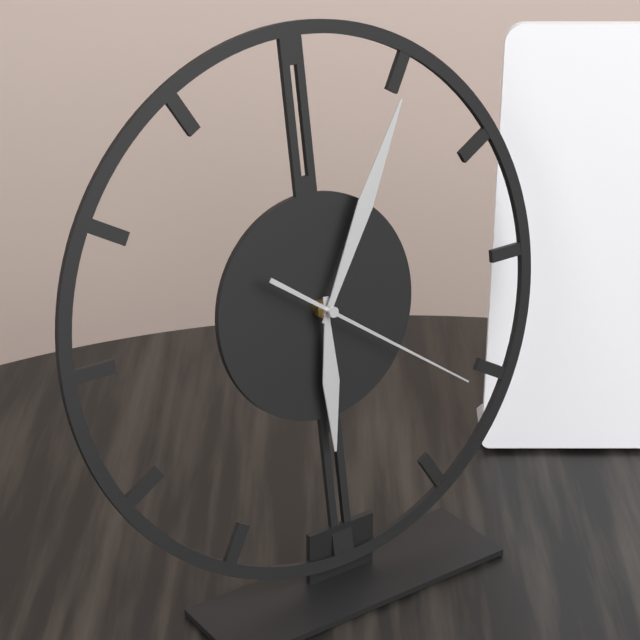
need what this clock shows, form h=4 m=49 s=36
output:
h=6 m=5 s=21
